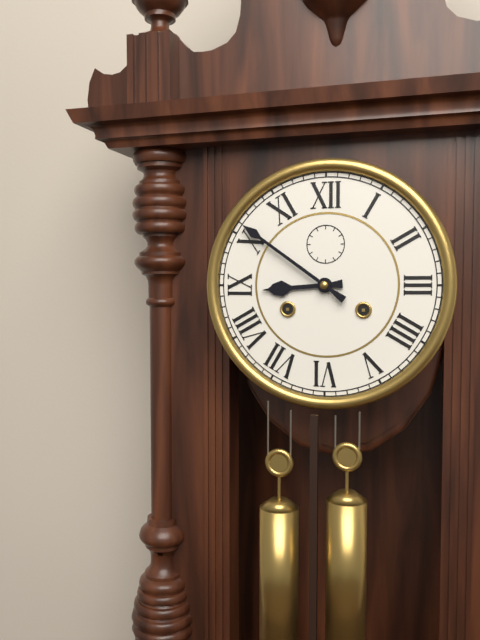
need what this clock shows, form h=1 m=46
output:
h=8 m=51
